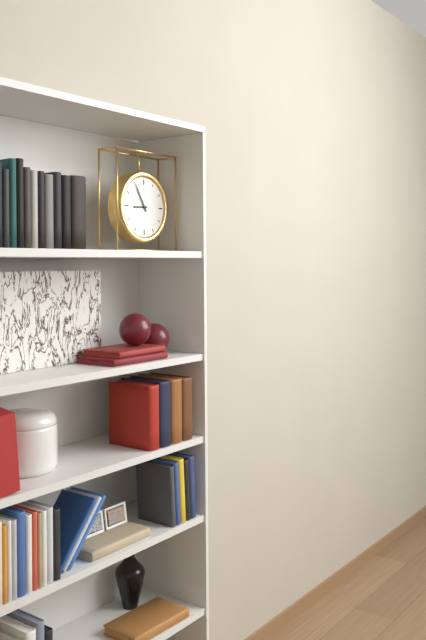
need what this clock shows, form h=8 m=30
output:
h=8 m=55
